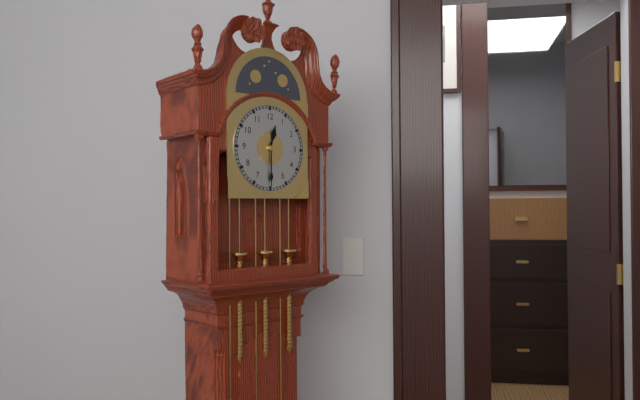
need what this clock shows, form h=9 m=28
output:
h=12 m=30
